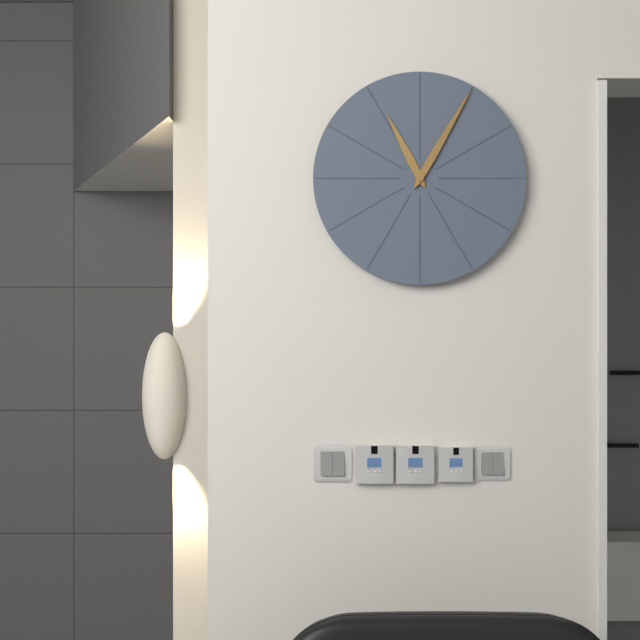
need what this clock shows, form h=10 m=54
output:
h=11 m=5
